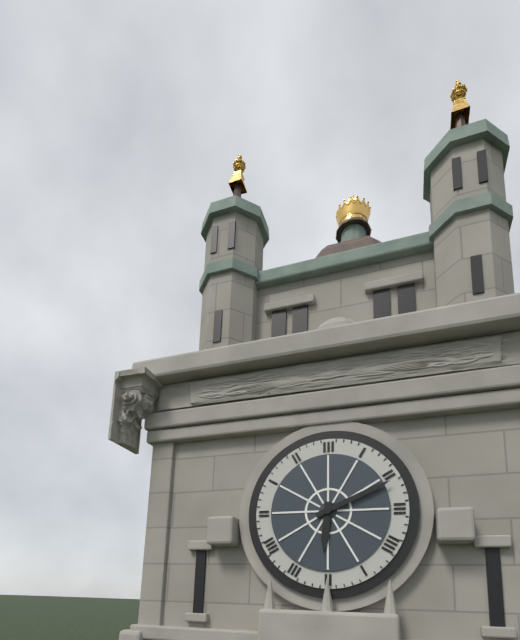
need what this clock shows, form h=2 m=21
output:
h=6 m=11
